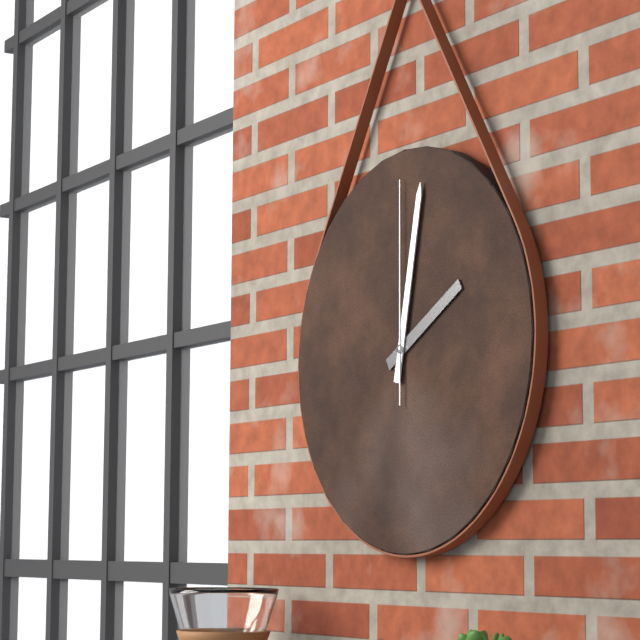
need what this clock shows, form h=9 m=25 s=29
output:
h=2 m=2 s=0
